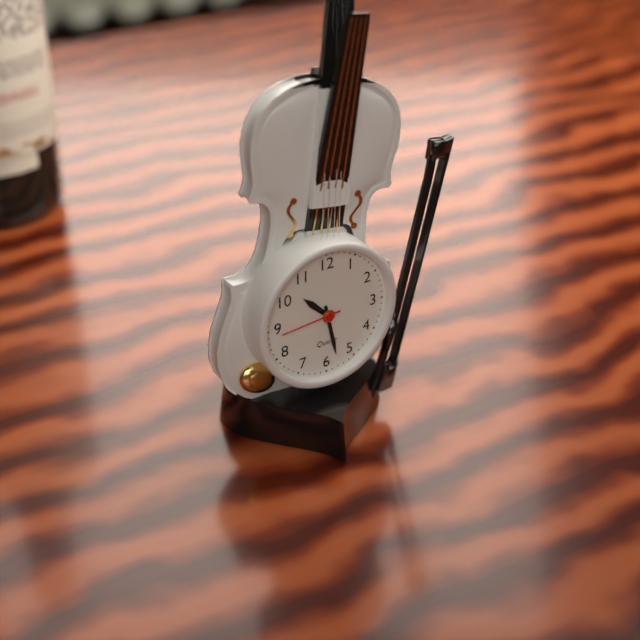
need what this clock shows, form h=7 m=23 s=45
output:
h=10 m=28 s=44
